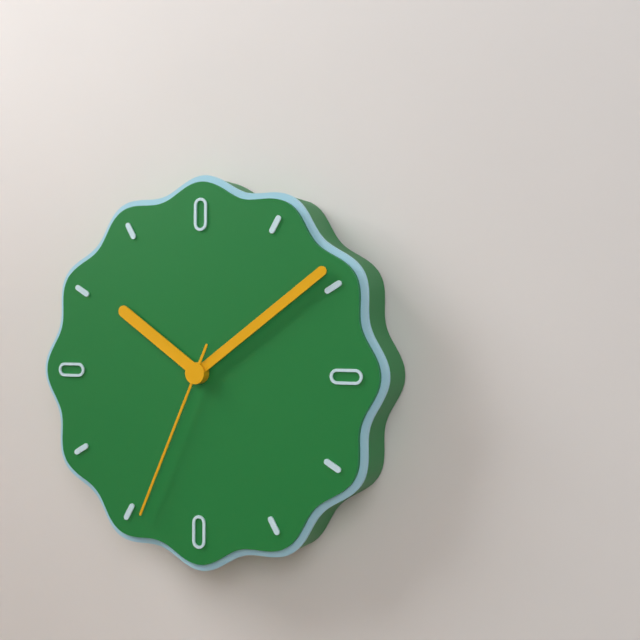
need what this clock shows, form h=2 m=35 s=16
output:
h=10 m=9 s=34
